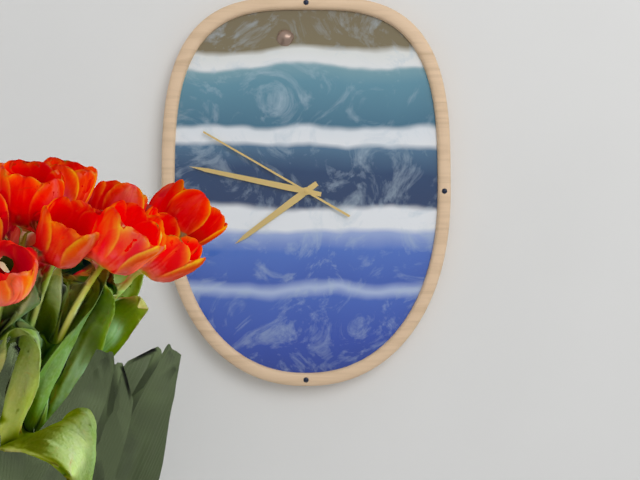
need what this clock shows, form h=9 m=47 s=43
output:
h=7 m=47 s=50
